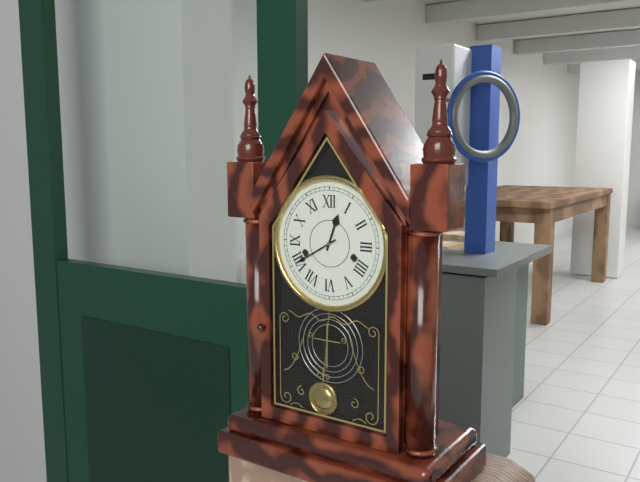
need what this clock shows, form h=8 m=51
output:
h=12 m=40
